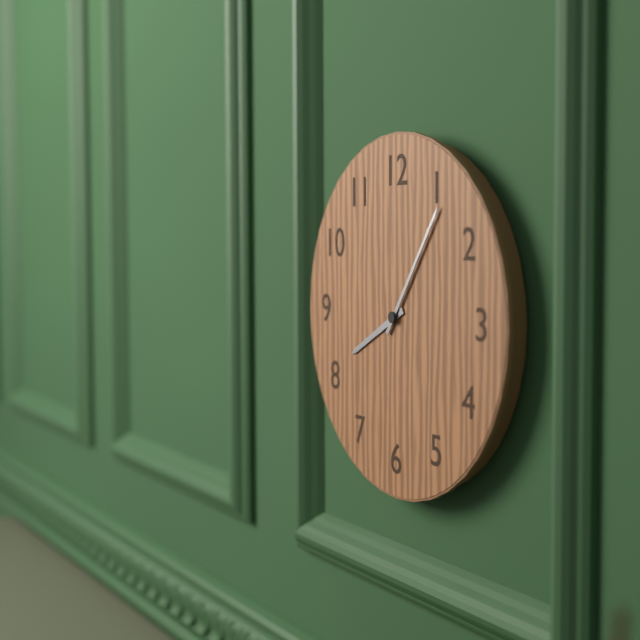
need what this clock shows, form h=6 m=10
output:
h=8 m=6
